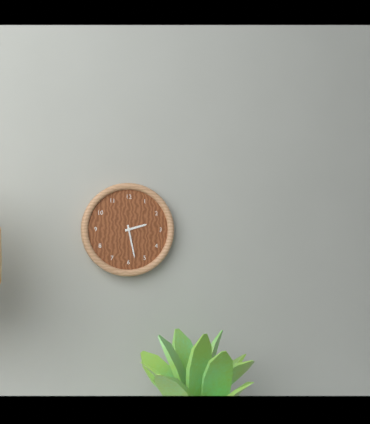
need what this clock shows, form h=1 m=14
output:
h=2 m=28
